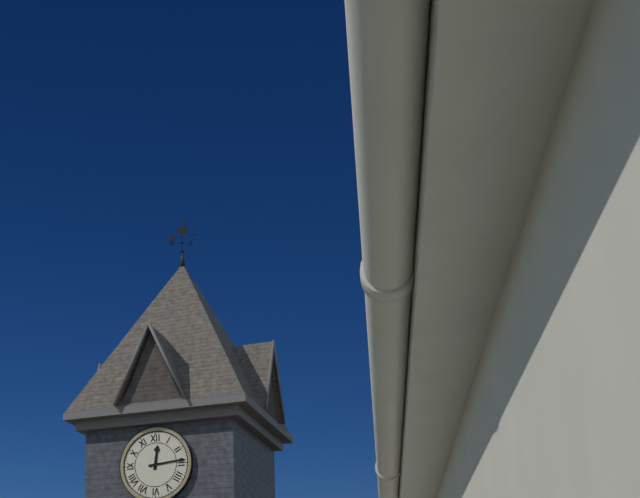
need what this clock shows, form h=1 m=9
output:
h=12 m=14
